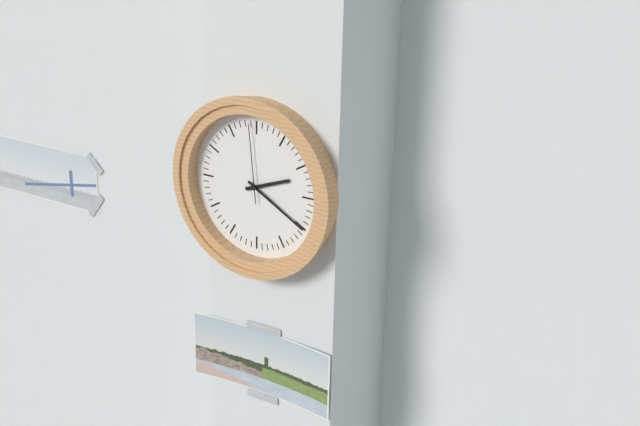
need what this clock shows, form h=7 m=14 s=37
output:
h=2 m=20 s=59
